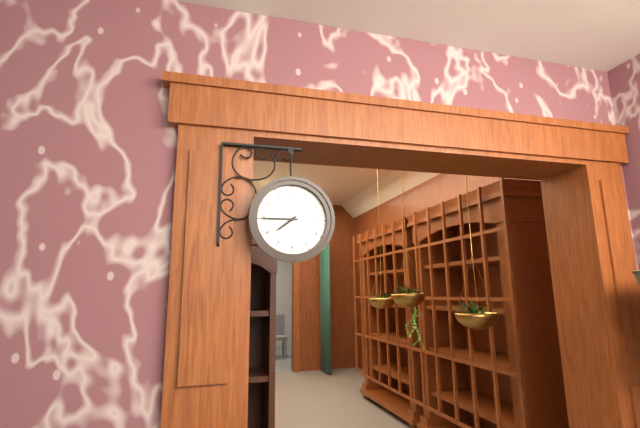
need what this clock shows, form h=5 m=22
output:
h=7 m=45
